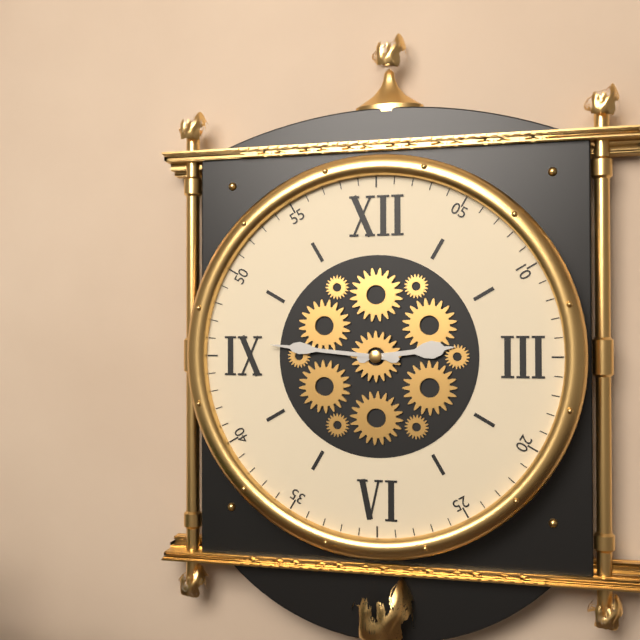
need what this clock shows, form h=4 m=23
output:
h=2 m=46
